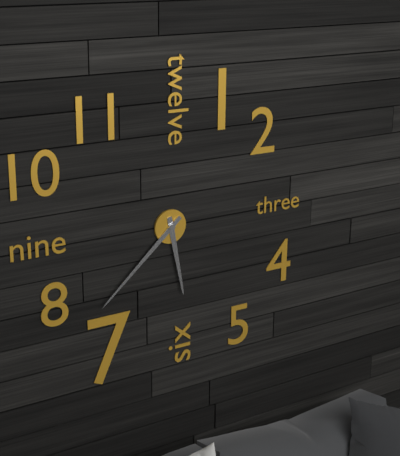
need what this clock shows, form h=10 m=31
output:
h=5 m=38
